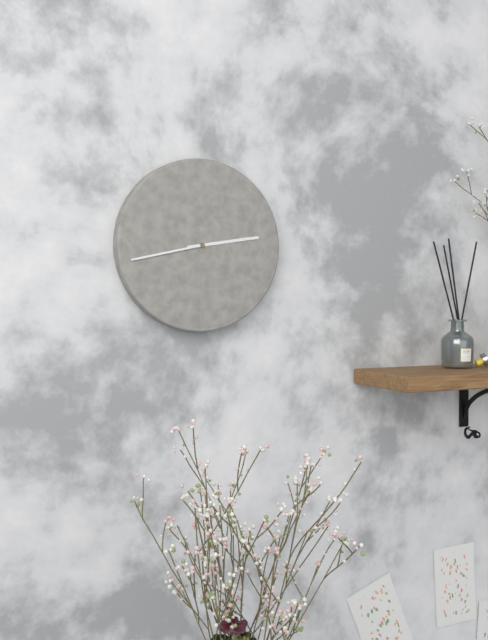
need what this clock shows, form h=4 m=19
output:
h=2 m=43
